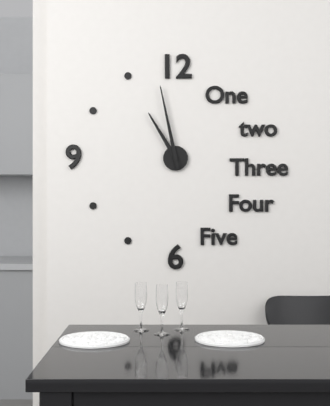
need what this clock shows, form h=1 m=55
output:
h=10 m=58
